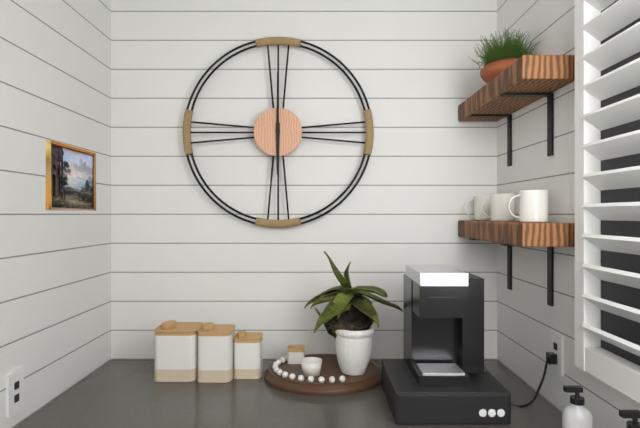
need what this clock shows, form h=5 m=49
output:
h=6 m=0
